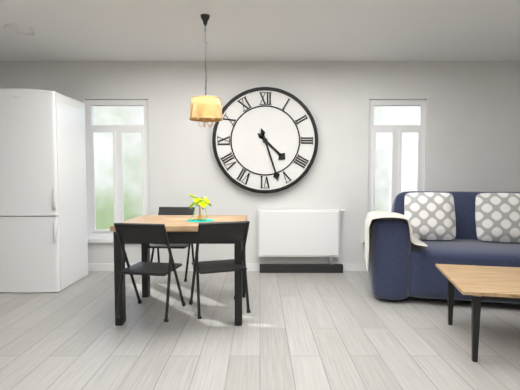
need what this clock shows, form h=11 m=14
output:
h=4 m=27
